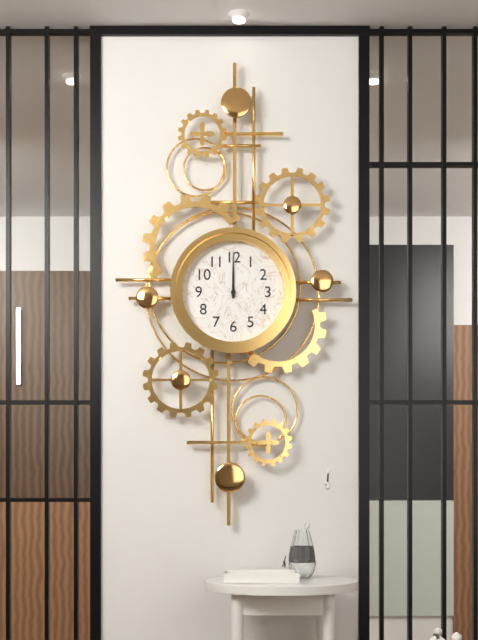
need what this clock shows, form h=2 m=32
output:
h=12 m=0
